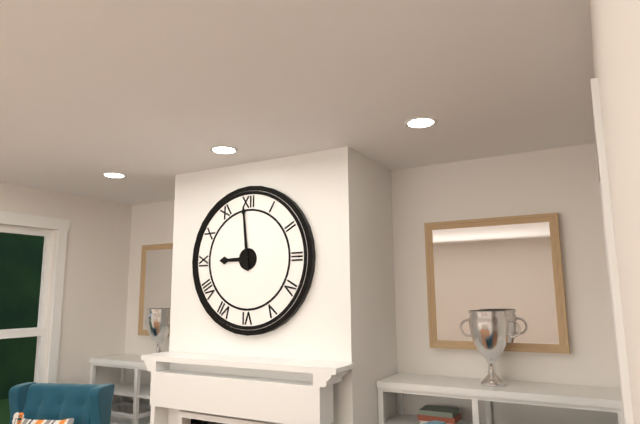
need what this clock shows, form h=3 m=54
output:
h=8 m=59
